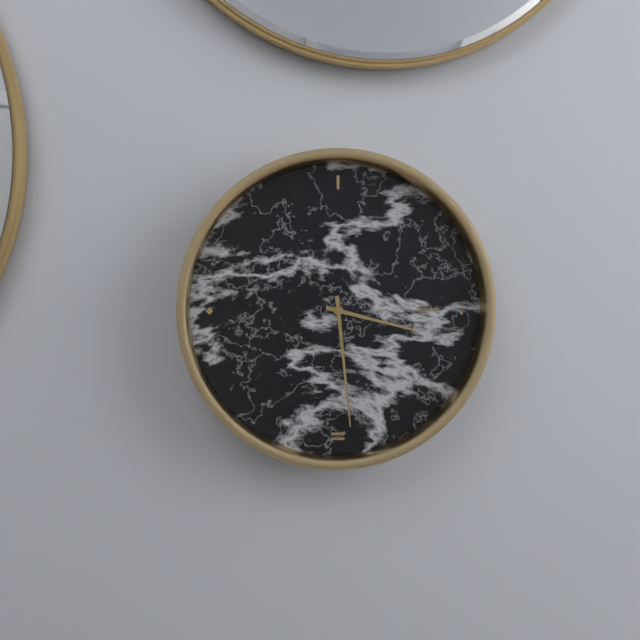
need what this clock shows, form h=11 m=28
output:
h=3 m=29
